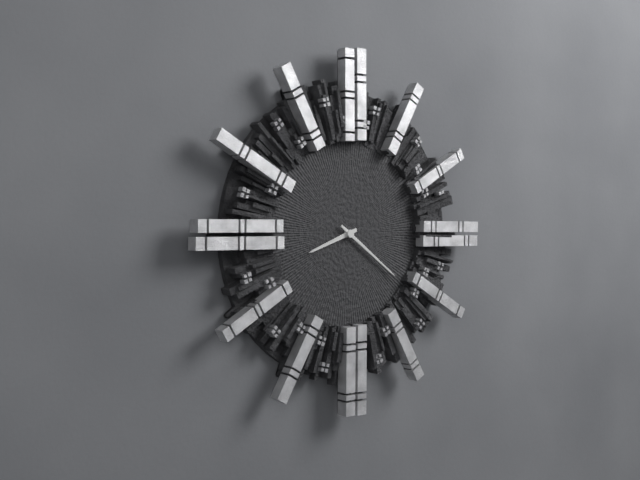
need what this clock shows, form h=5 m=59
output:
h=8 m=21
